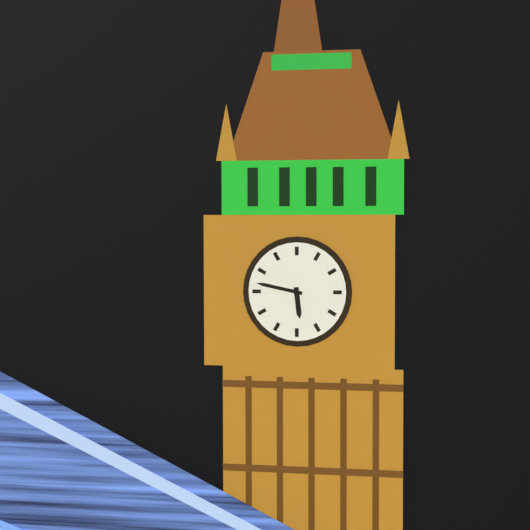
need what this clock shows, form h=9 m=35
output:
h=5 m=47
